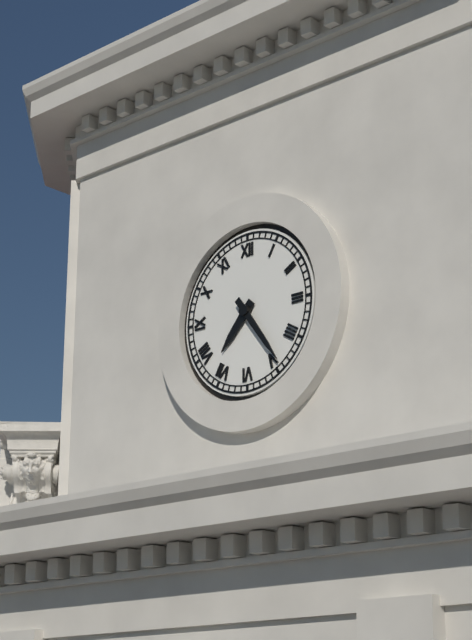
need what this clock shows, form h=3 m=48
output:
h=7 m=24
